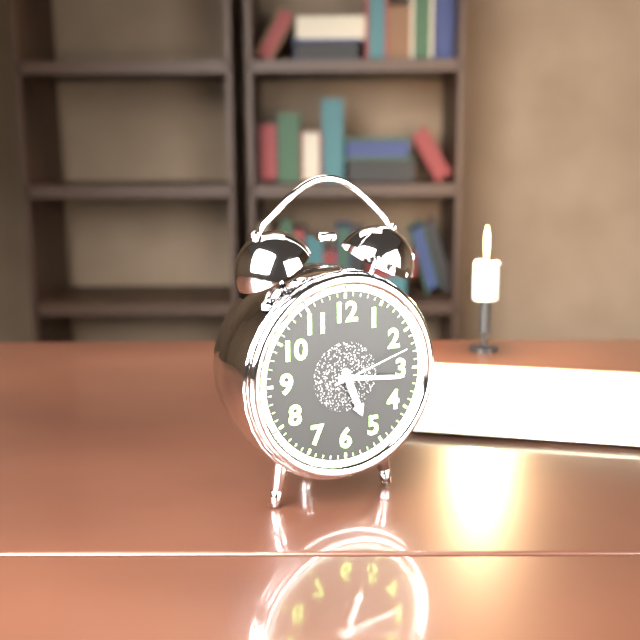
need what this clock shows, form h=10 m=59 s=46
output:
h=5 m=16 s=12
